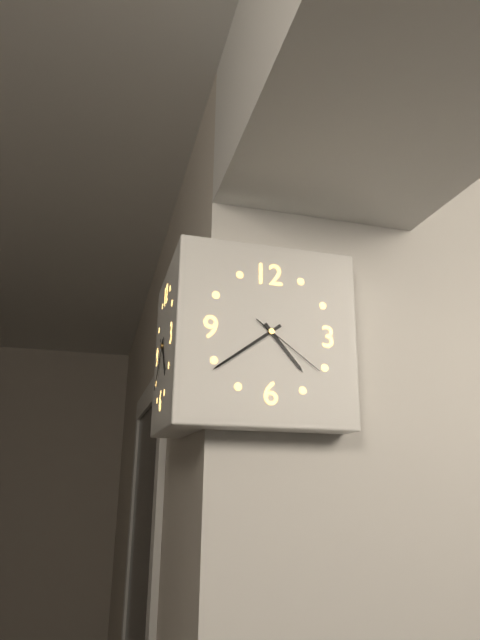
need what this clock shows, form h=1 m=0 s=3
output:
h=4 m=39 s=21
